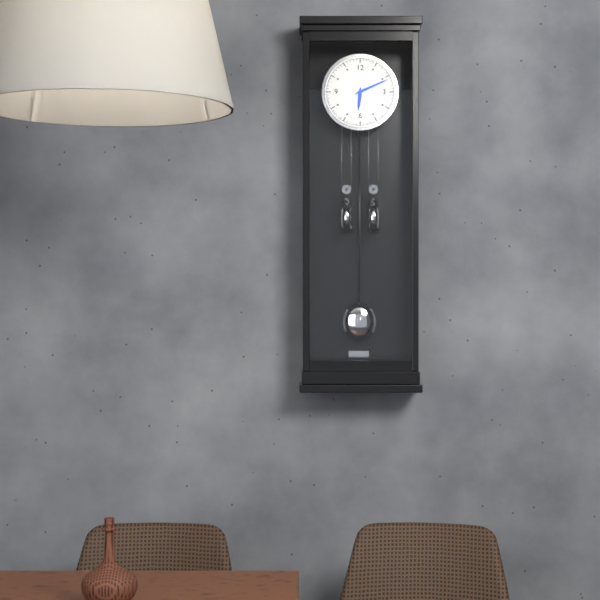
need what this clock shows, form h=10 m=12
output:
h=6 m=11
